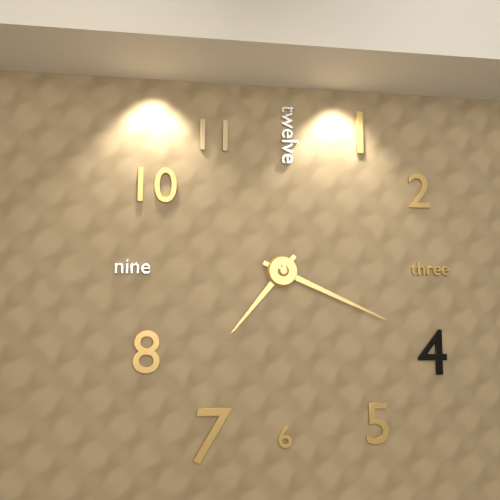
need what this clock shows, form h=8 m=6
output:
h=7 m=19
